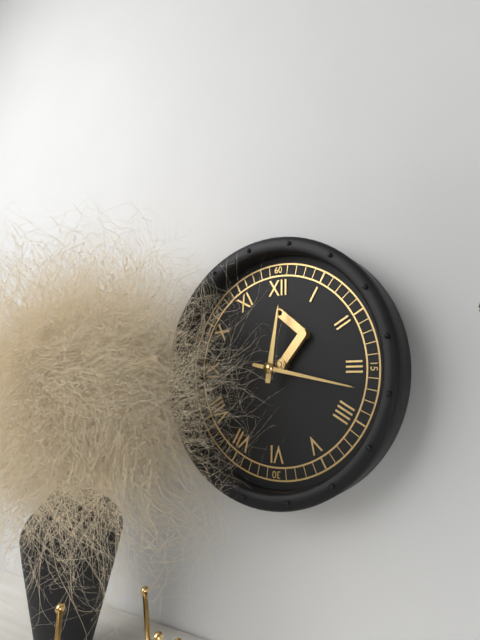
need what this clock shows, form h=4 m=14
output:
h=12 m=17
